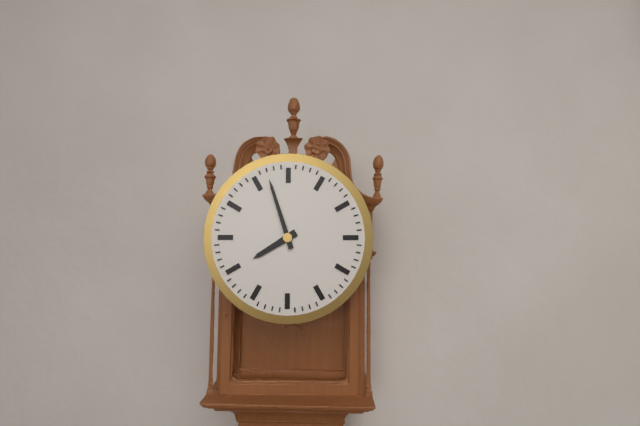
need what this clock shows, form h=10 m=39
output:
h=7 m=57
